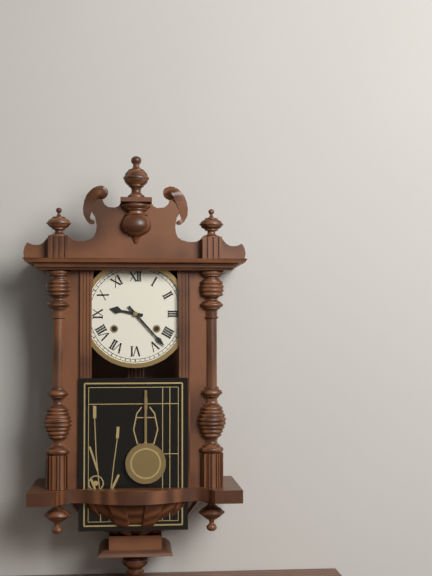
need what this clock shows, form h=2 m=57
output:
h=9 m=23
